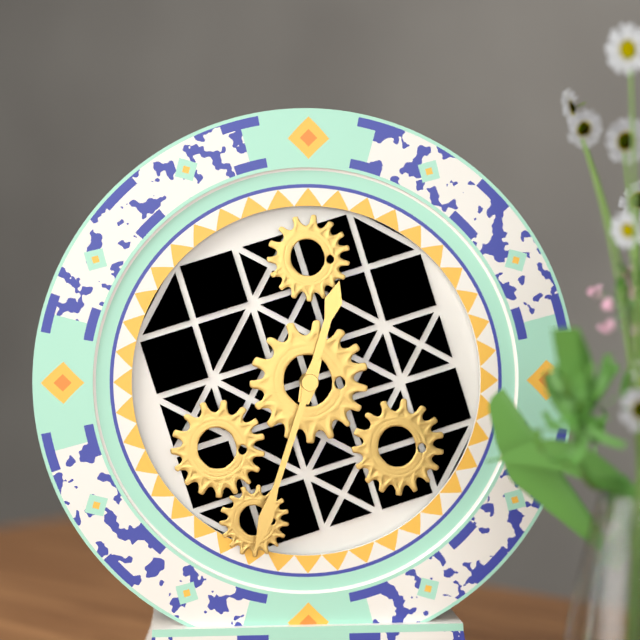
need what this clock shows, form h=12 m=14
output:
h=12 m=33
